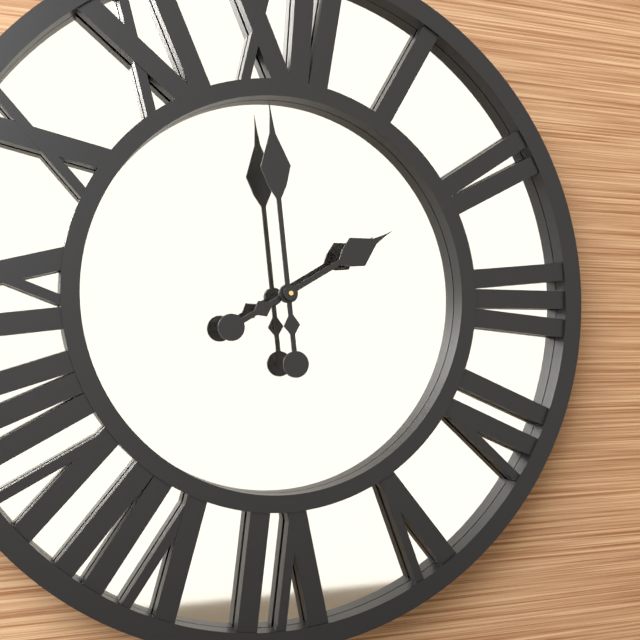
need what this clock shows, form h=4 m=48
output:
h=1 m=59
